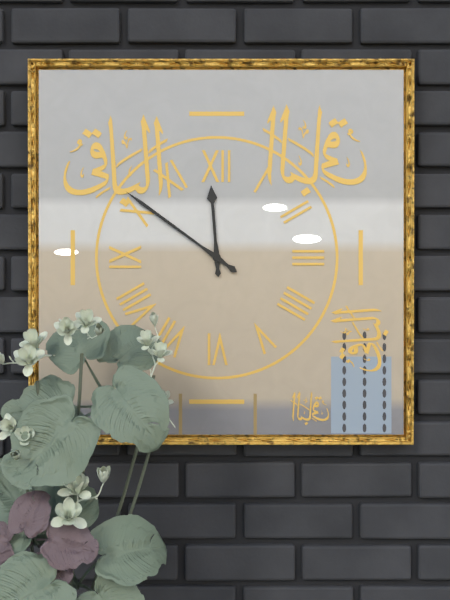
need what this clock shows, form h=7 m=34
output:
h=11 m=51
